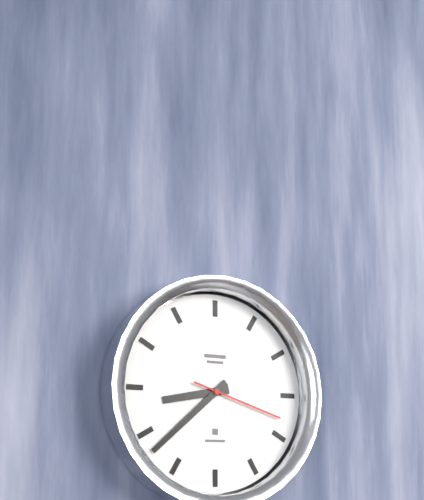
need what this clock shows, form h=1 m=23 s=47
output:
h=8 m=38 s=18
